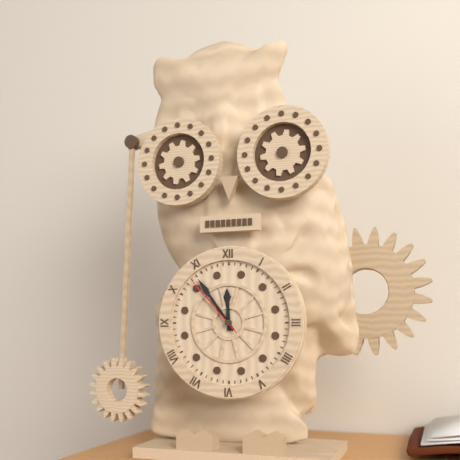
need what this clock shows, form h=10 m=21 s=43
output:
h=11 m=54 s=53
